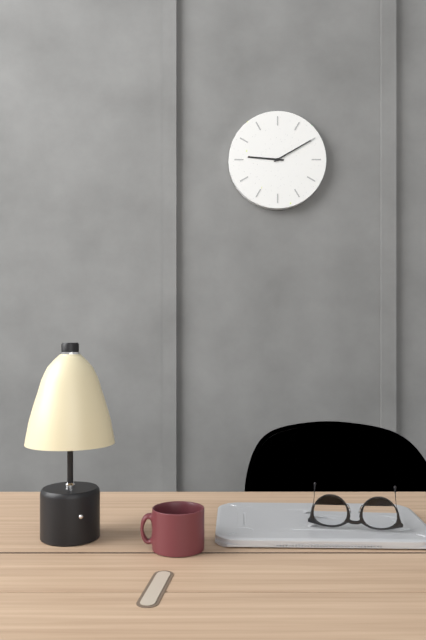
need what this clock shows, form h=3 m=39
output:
h=9 m=10
